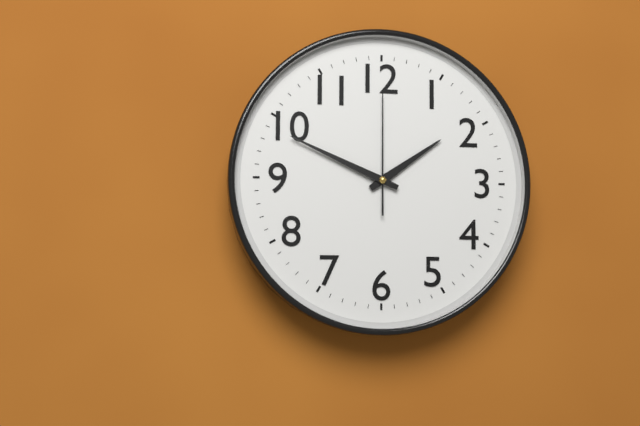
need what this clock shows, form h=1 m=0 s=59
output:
h=1 m=49 s=0
